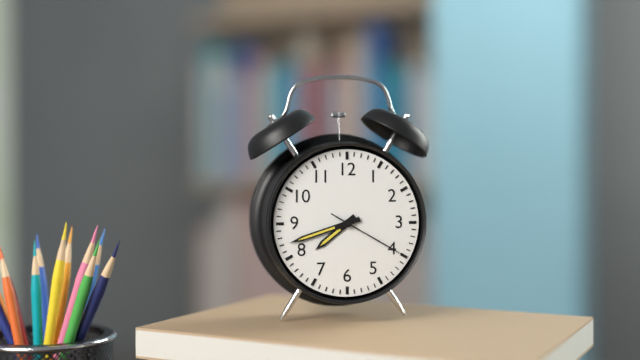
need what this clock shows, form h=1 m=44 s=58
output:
h=7 m=42 s=20
